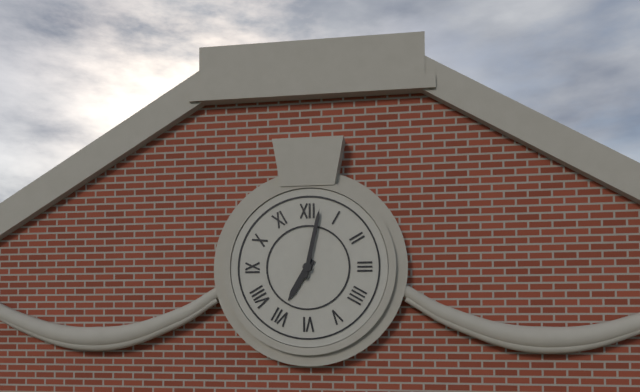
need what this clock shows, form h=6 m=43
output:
h=7 m=2
